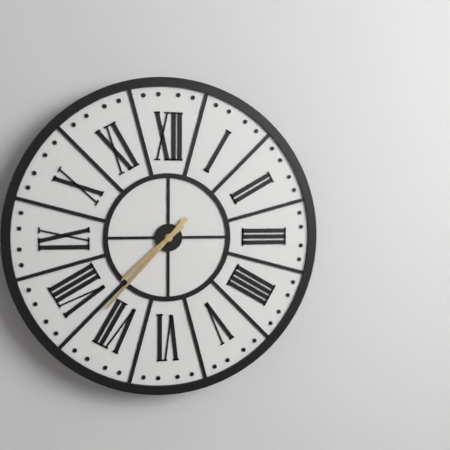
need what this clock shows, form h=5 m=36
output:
h=7 m=37
